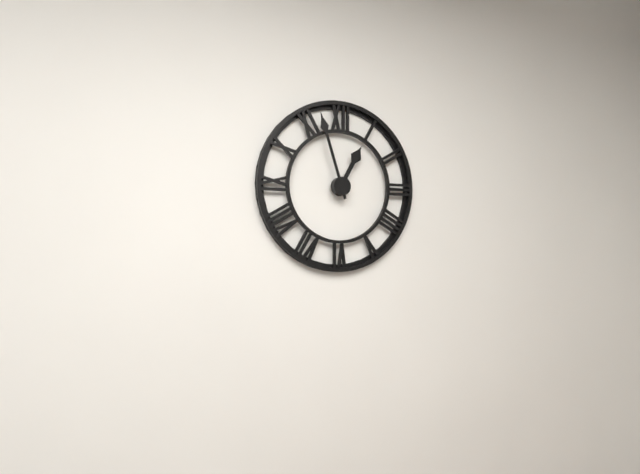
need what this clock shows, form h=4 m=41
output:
h=12 m=57
